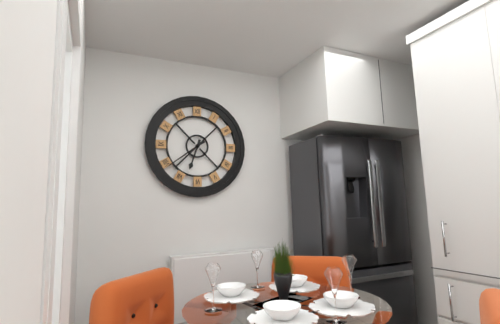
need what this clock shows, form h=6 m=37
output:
h=6 m=39
